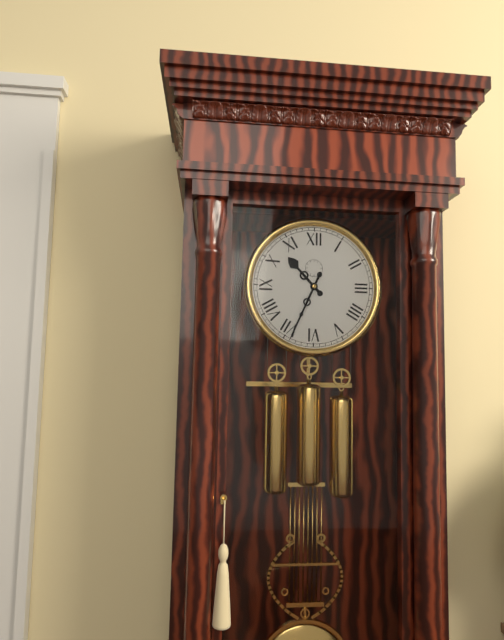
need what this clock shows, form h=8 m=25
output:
h=10 m=34
